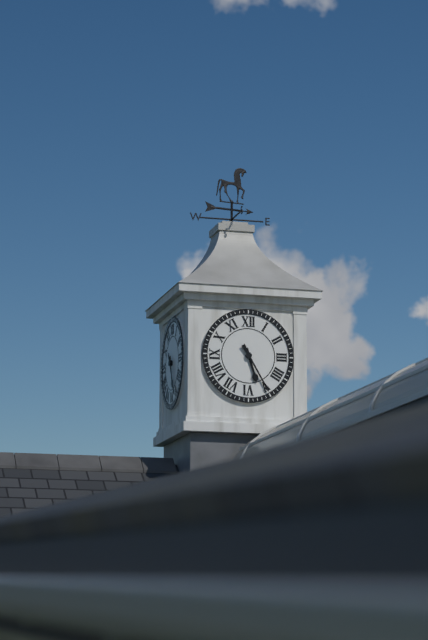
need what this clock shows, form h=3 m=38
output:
h=5 m=25
